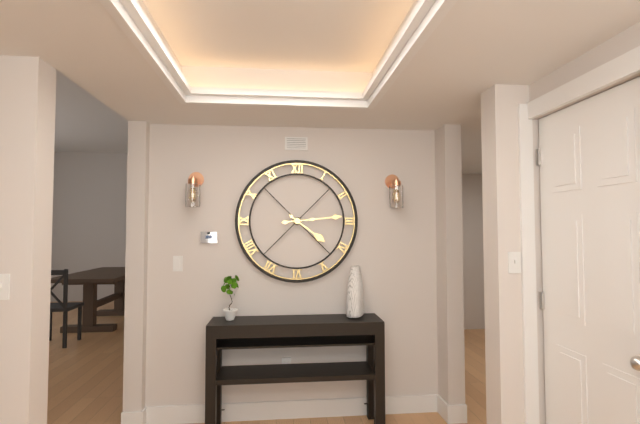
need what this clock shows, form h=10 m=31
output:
h=4 m=14
